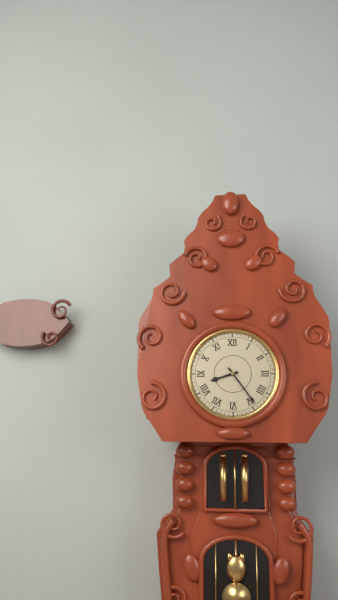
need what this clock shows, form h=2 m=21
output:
h=8 m=24
